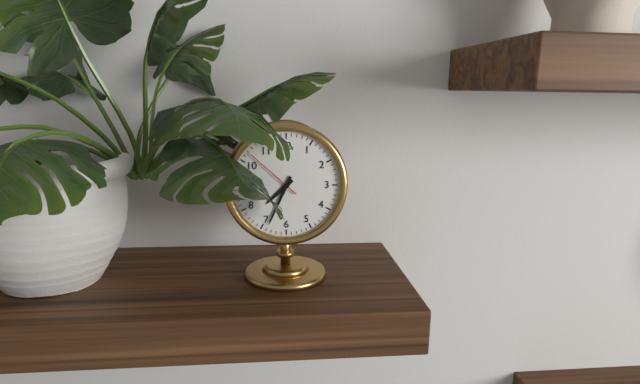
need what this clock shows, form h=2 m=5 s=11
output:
h=7 m=34 s=52
